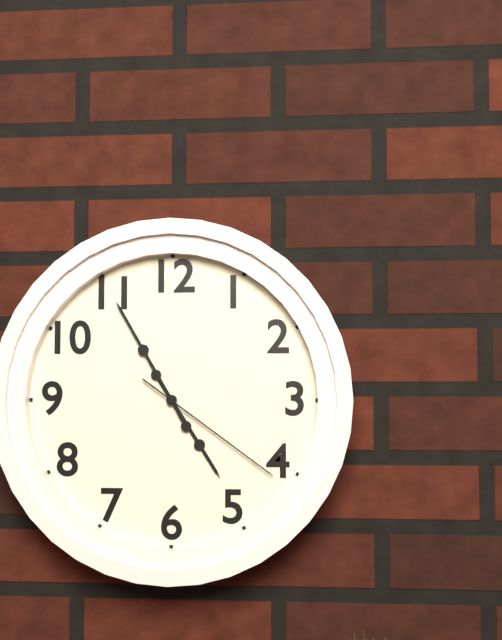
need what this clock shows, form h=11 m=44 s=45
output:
h=4 m=55 s=21
